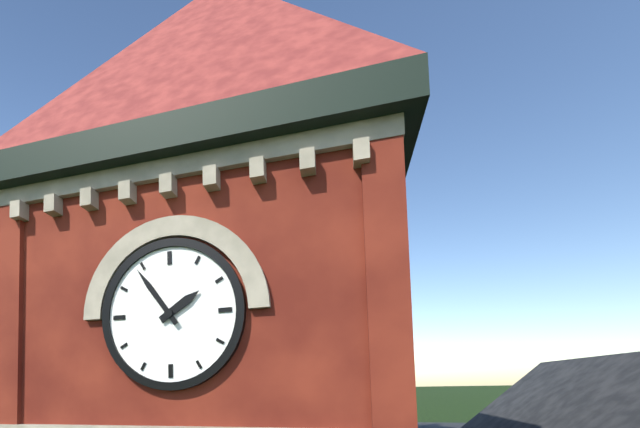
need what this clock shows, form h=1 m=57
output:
h=1 m=54
